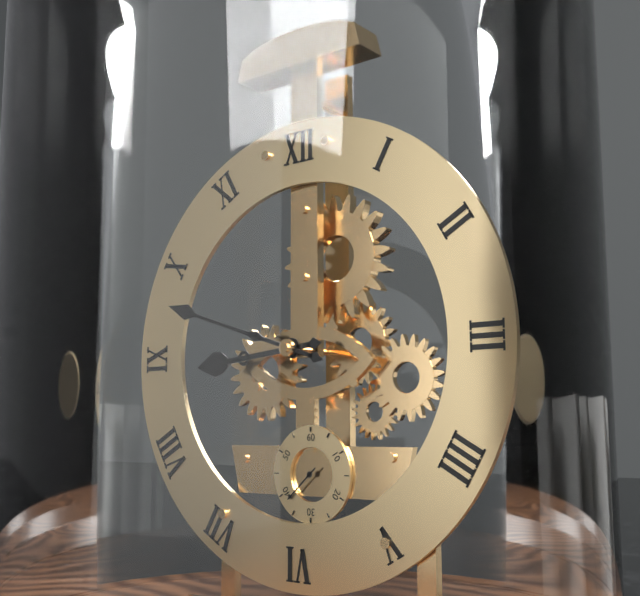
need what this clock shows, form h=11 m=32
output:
h=8 m=48
